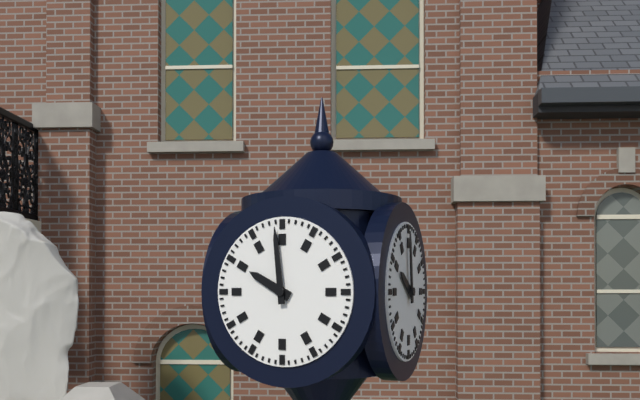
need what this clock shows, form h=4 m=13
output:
h=9 m=59
